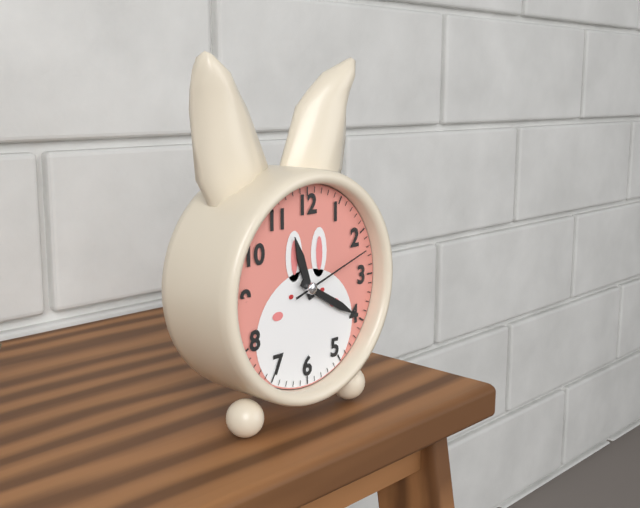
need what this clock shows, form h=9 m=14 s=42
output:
h=11 m=20 s=12
